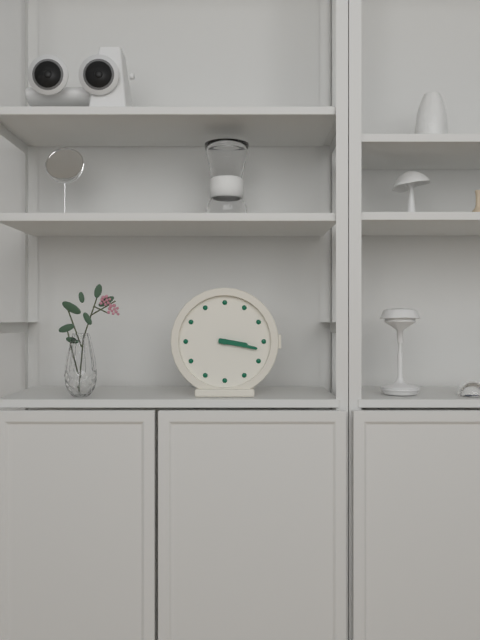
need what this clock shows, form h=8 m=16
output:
h=3 m=17
